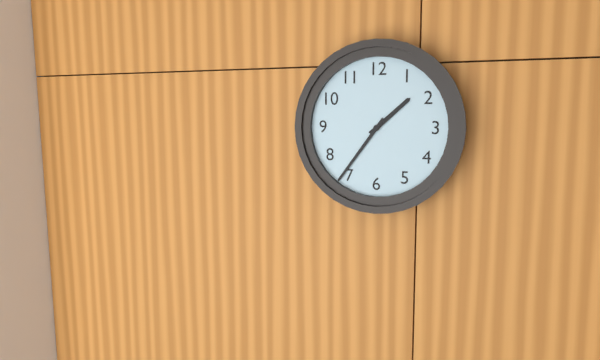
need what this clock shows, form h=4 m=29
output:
h=1 m=36
